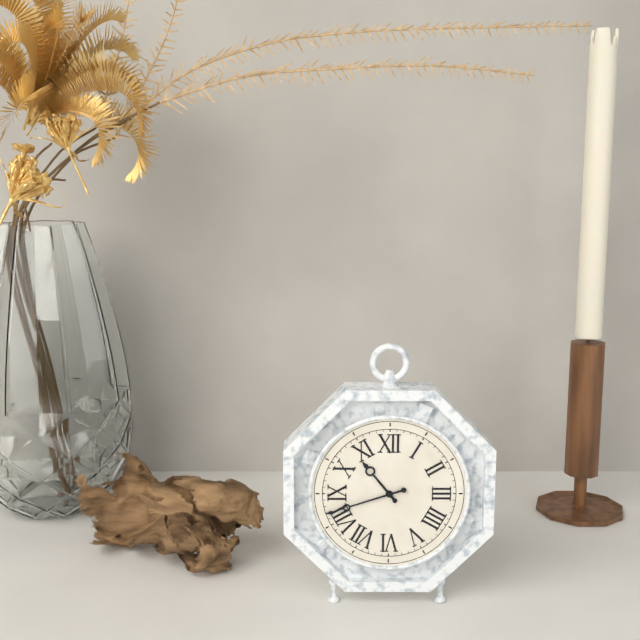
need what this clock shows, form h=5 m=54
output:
h=10 m=42
